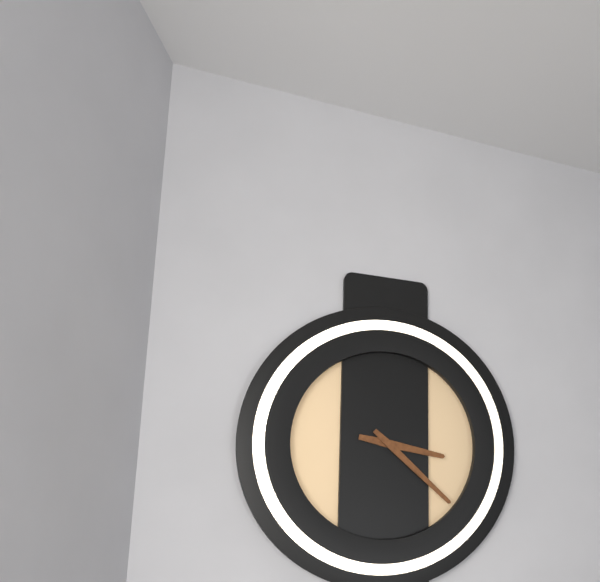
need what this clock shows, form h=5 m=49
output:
h=3 m=22
